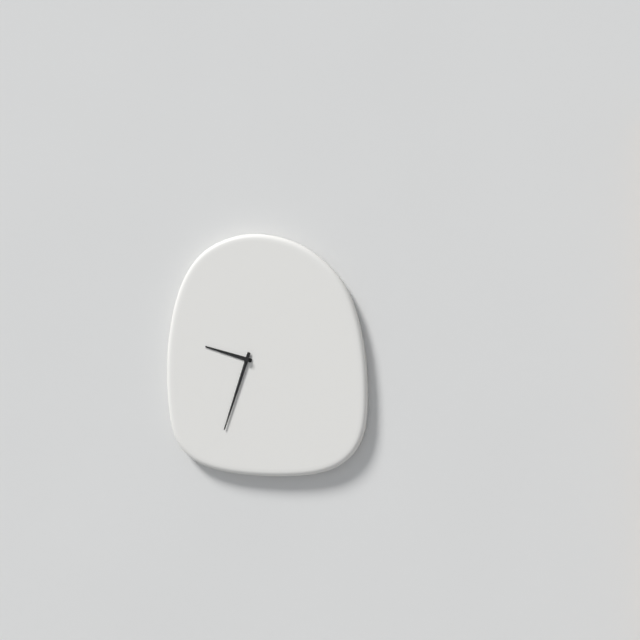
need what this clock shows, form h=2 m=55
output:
h=9 m=33
